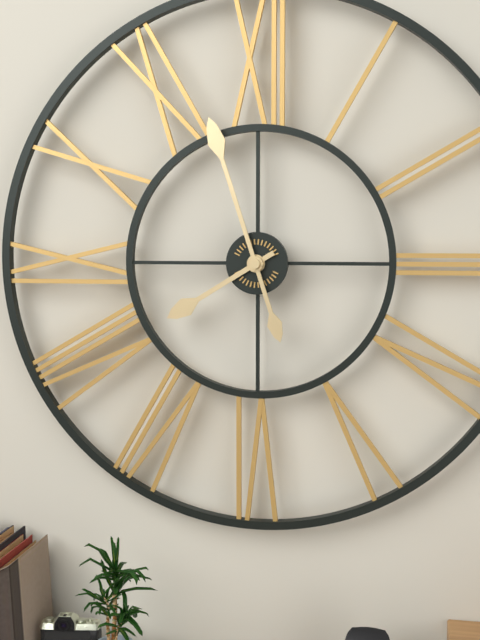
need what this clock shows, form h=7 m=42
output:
h=7 m=57
